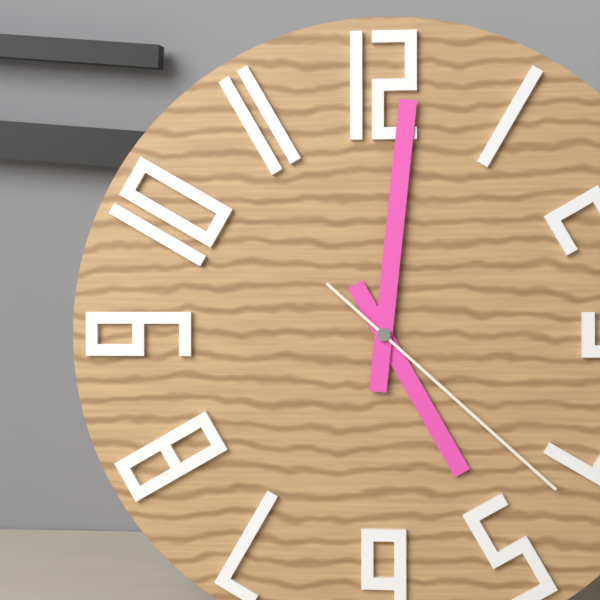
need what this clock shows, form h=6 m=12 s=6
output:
h=5 m=1 s=22
